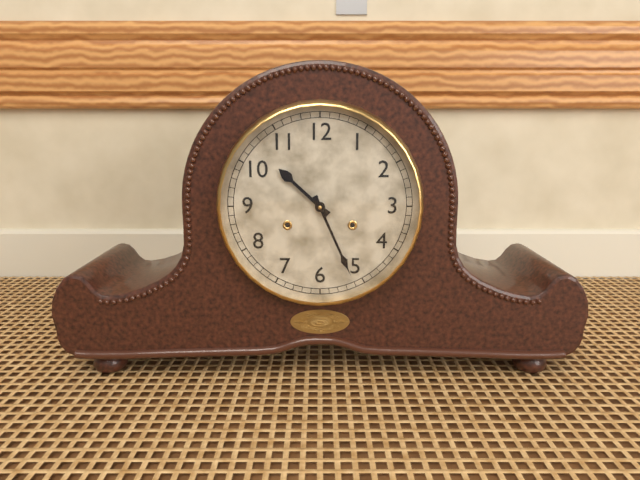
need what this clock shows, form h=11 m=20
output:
h=10 m=26
